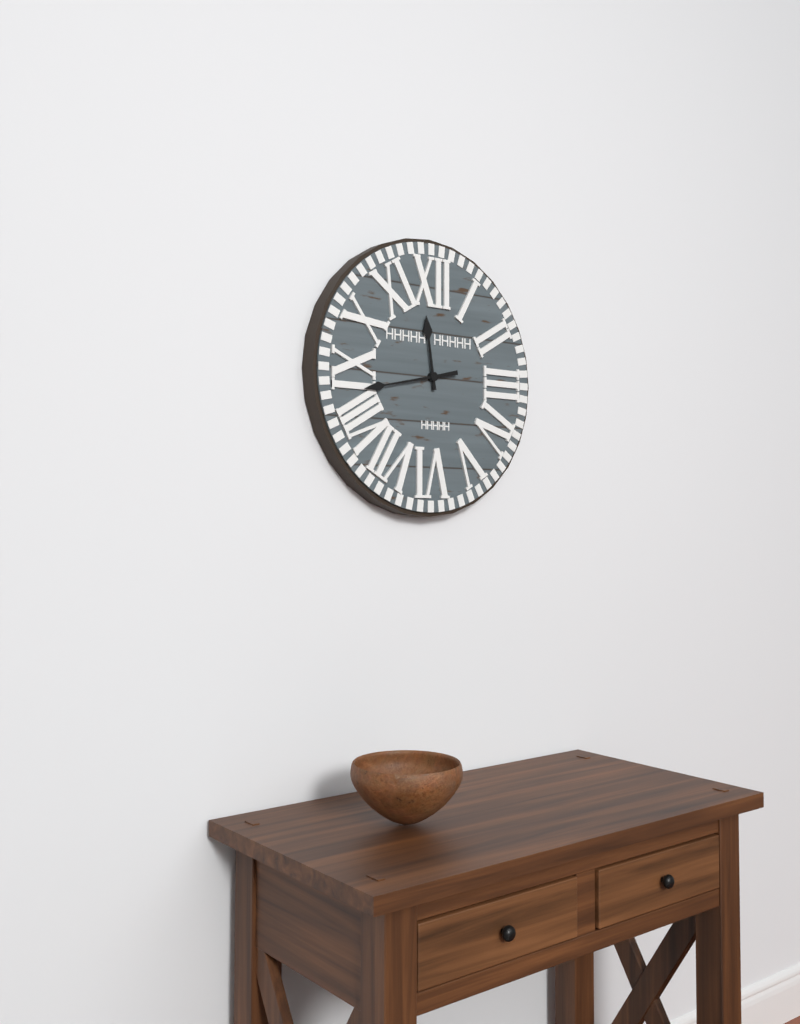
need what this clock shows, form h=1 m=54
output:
h=11 m=43
